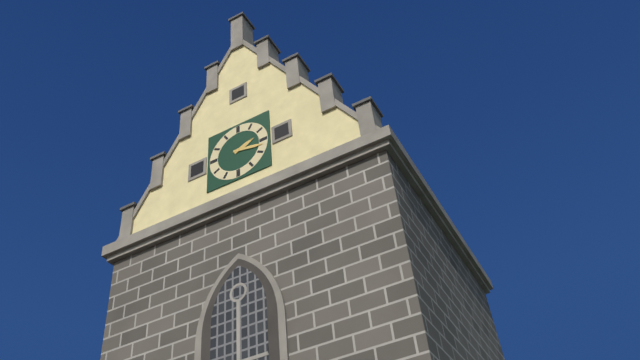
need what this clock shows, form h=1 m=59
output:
h=2 m=17
